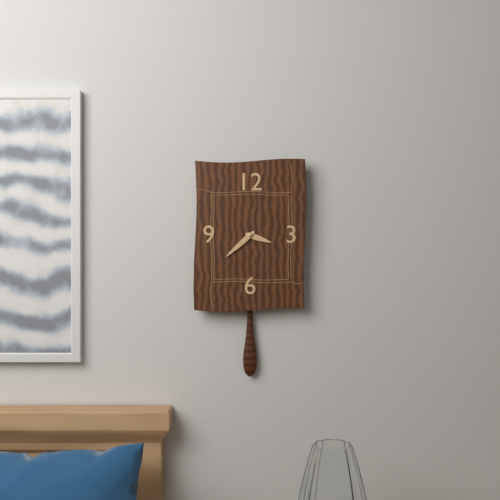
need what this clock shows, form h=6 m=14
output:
h=3 m=38
